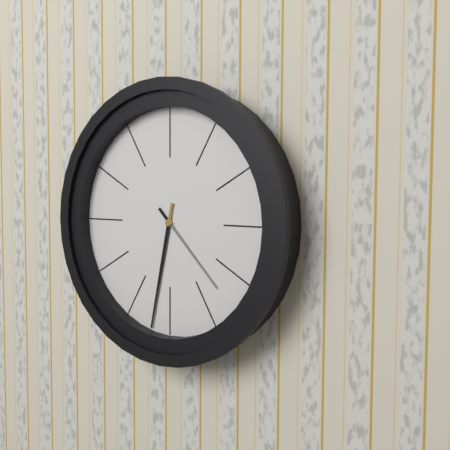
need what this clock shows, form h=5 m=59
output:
h=4 m=32
